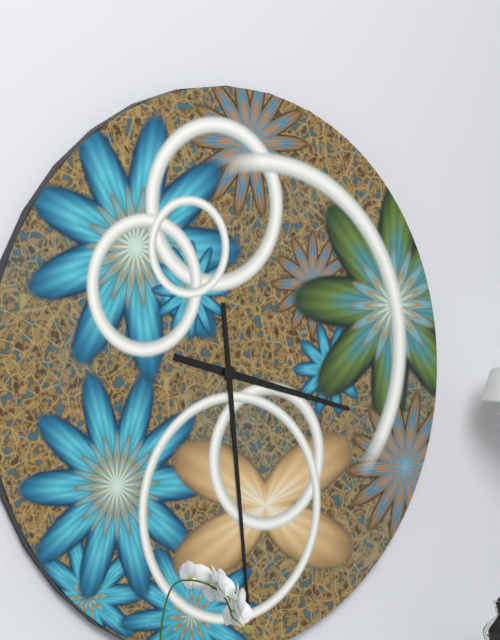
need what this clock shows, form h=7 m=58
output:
h=3 m=29
